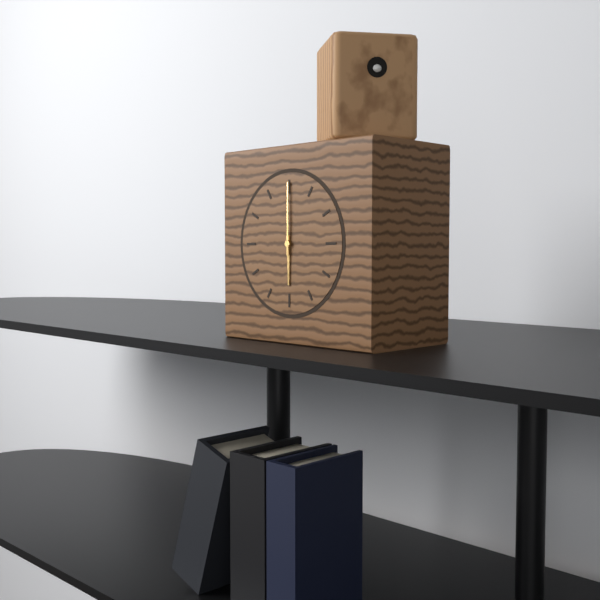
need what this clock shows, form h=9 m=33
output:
h=6 m=0
